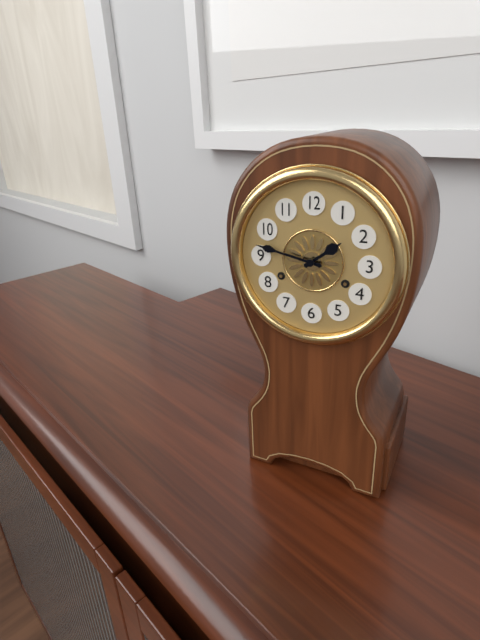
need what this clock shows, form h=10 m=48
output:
h=1 m=47
